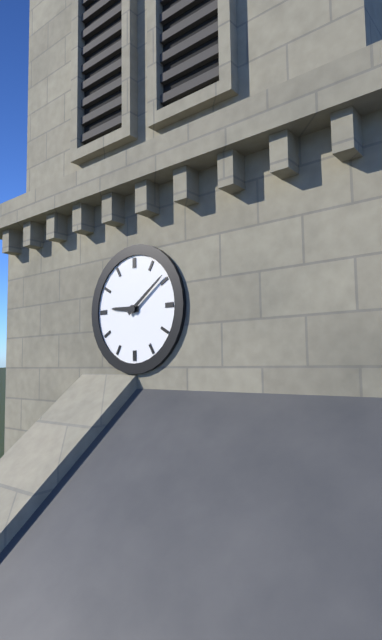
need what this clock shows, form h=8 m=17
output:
h=9 m=9
